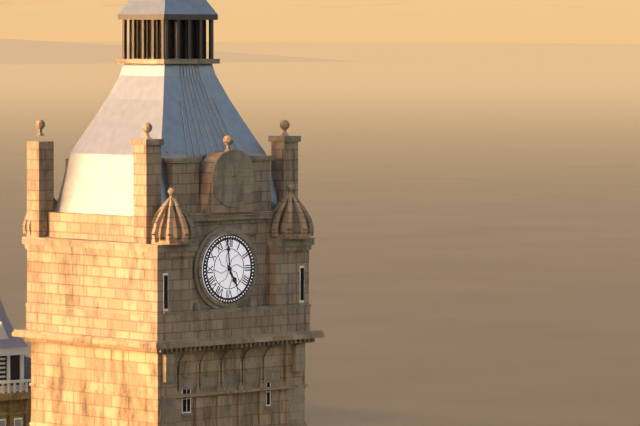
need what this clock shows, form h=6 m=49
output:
h=4 m=59
